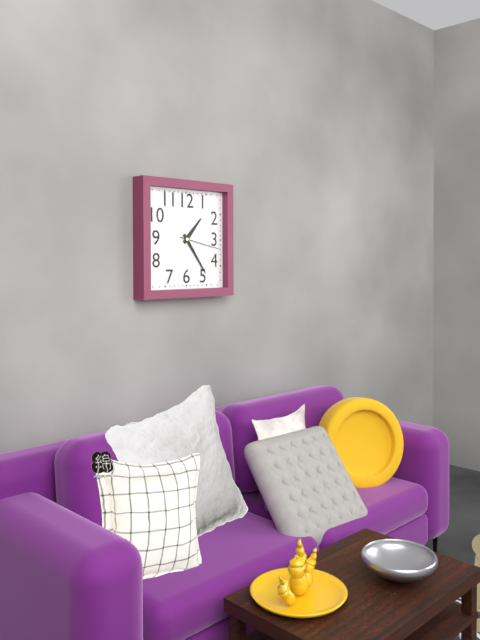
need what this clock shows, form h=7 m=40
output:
h=1 m=24
